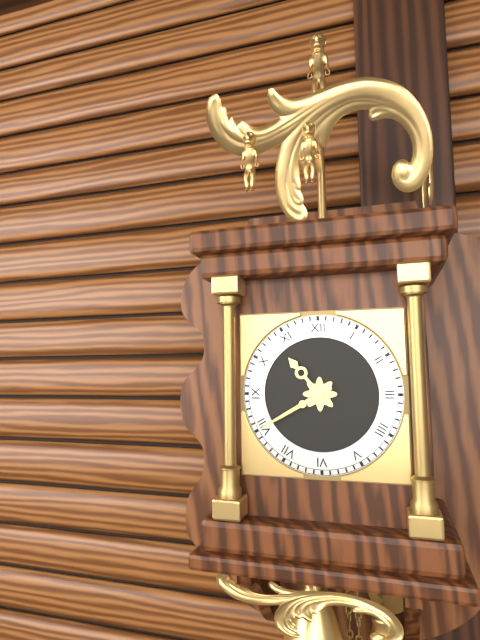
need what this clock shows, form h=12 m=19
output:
h=10 m=40
